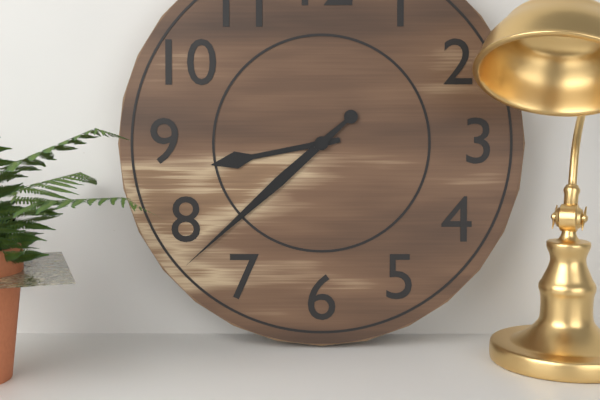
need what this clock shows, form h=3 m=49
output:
h=8 m=38
